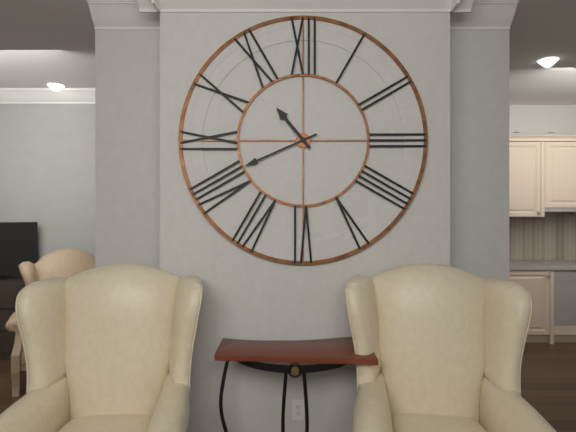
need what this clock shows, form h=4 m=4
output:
h=10 m=41
